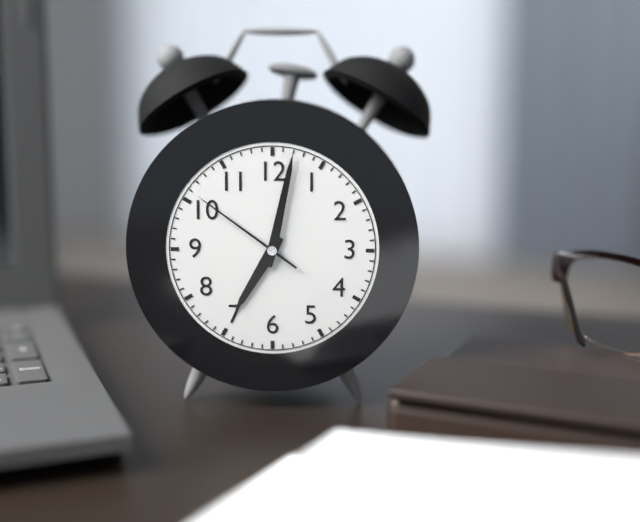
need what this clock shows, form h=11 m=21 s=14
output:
h=7 m=2 s=51
